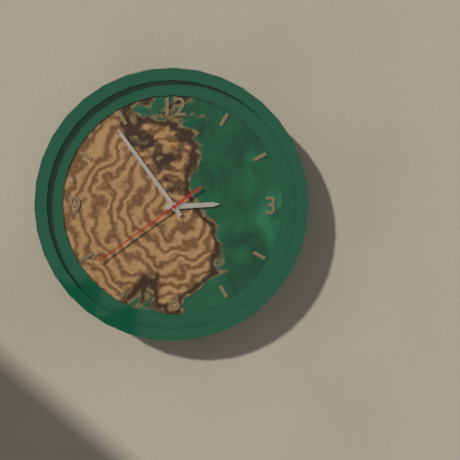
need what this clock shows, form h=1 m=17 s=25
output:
h=2 m=54 s=39
